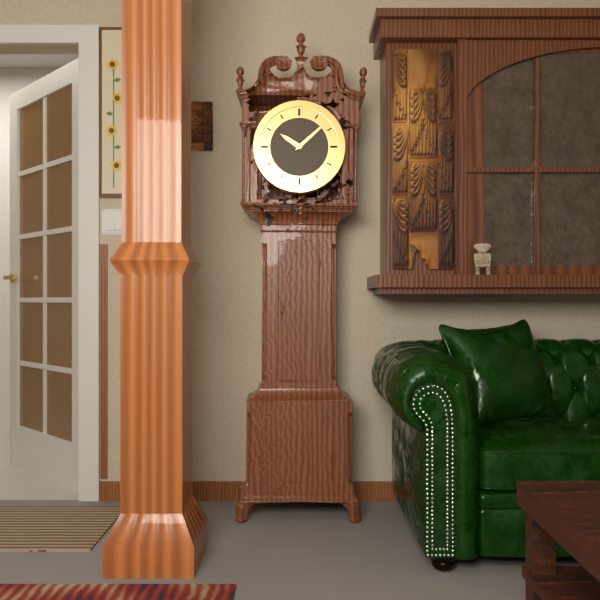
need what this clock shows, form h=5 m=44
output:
h=10 m=8
